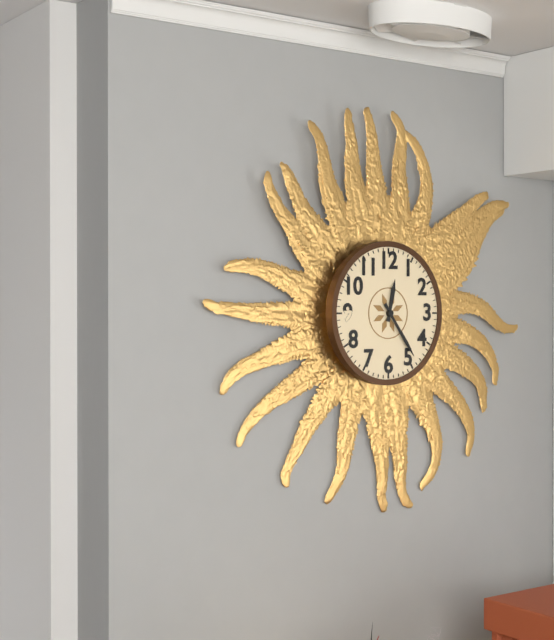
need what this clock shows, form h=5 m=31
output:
h=12 m=24
